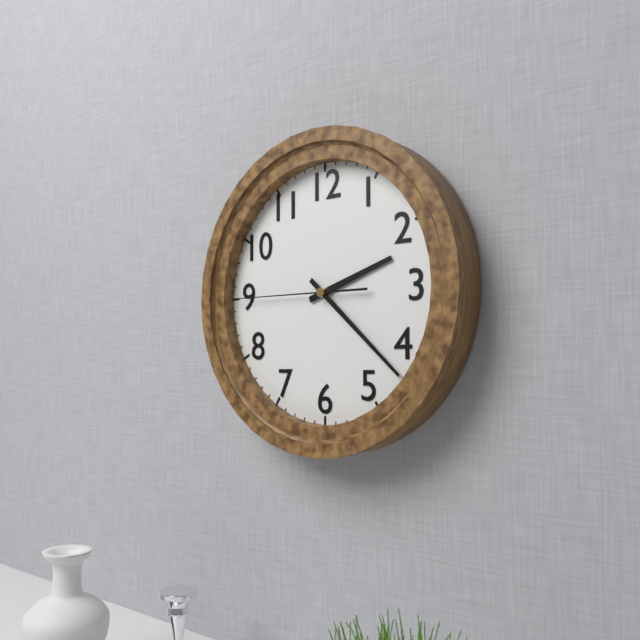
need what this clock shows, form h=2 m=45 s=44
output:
h=2 m=22 s=45
